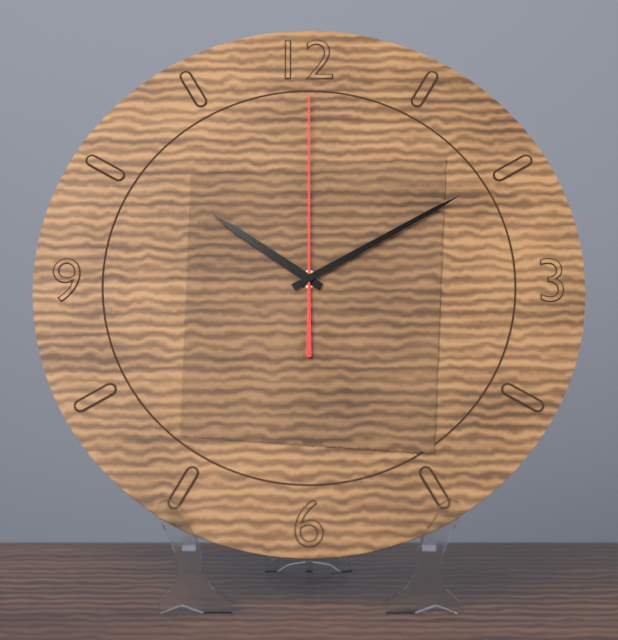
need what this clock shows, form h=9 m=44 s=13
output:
h=10 m=10 s=0
